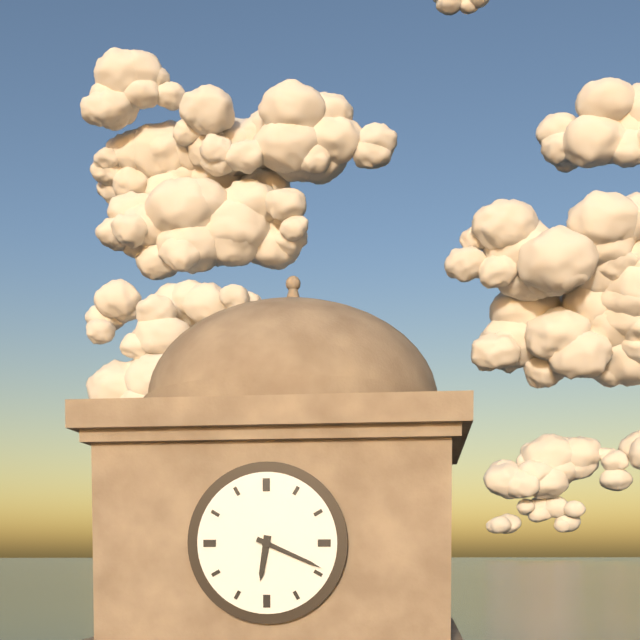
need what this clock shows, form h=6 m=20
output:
h=6 m=19
